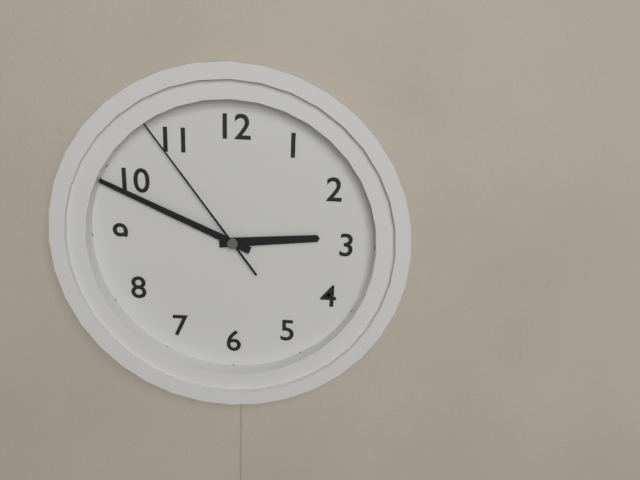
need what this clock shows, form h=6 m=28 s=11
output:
h=2 m=49 s=54
